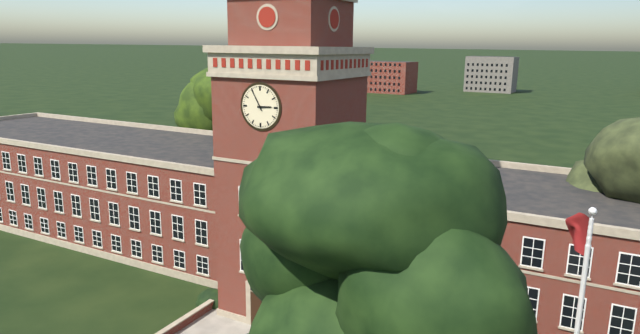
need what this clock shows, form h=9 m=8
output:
h=2 m=55
